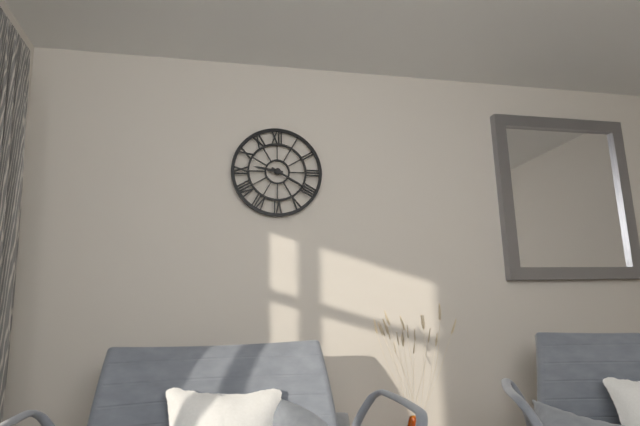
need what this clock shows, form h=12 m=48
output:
h=9 m=20
